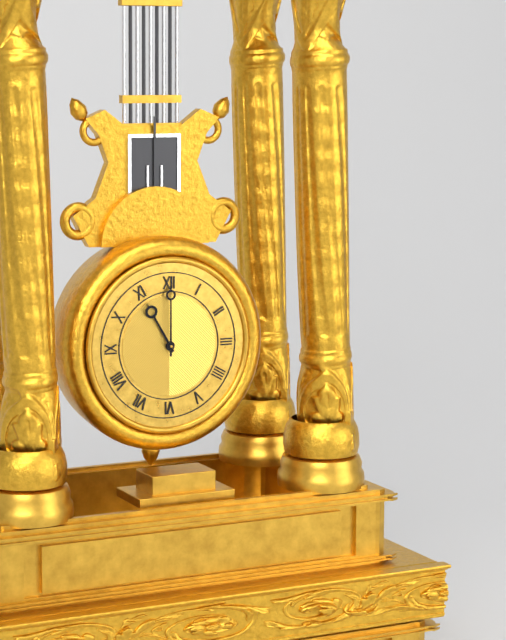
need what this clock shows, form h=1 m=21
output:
h=11 m=0
